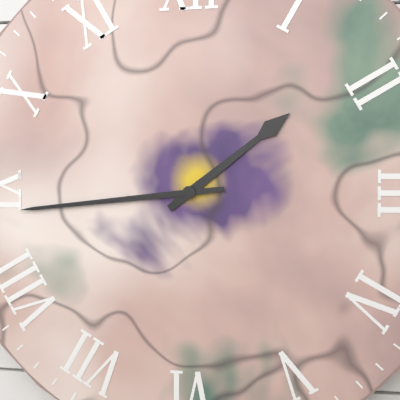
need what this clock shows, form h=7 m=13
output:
h=1 m=44
